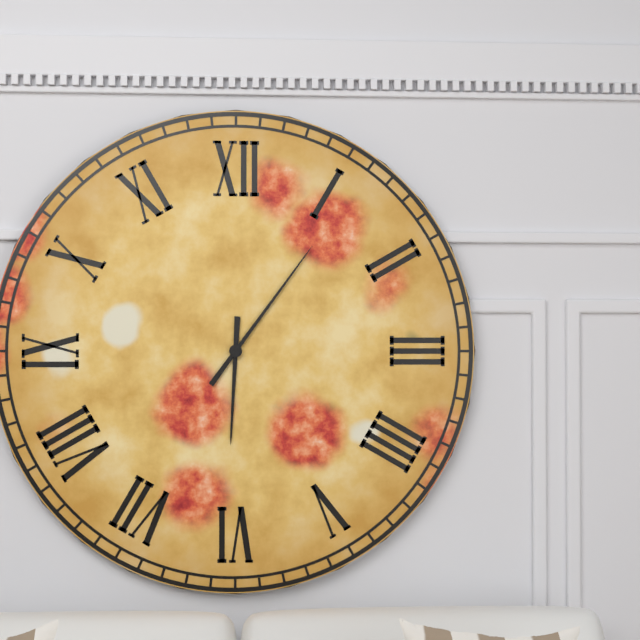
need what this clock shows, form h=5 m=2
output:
h=6 m=6
